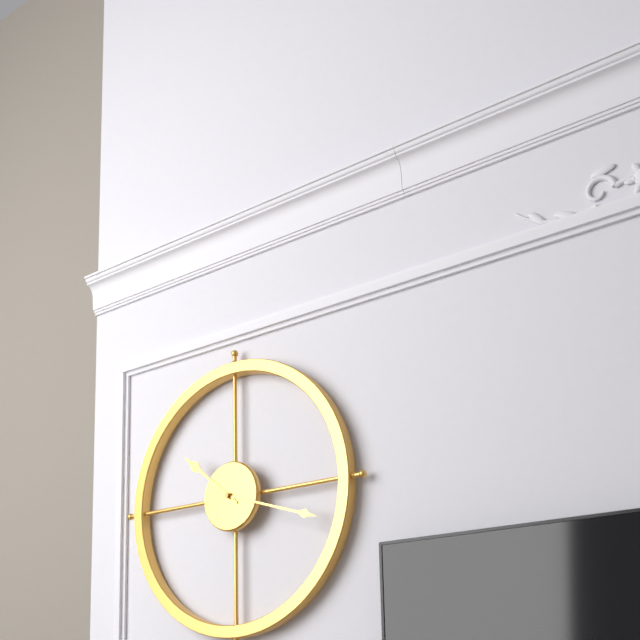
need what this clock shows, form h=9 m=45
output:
h=10 m=18
